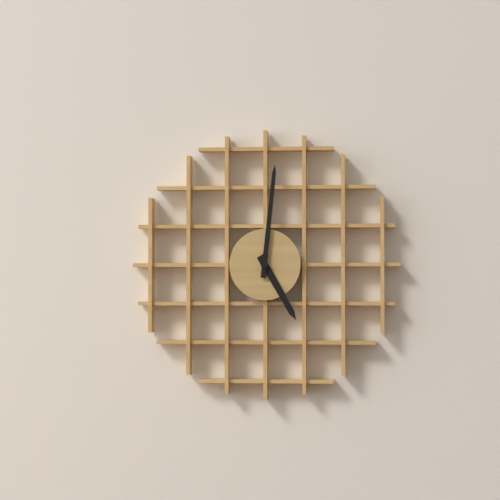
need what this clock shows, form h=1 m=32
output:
h=5 m=1
